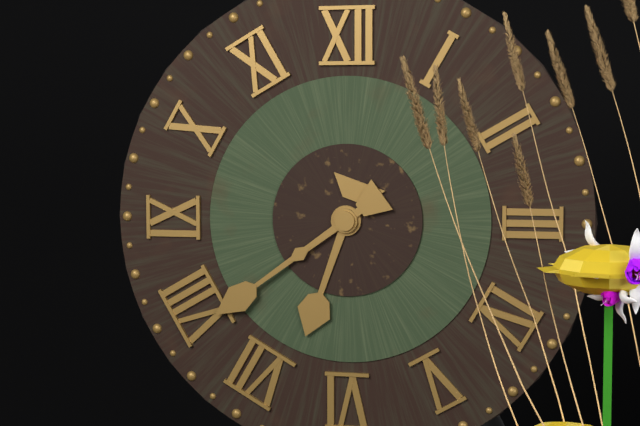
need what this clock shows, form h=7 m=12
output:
h=6 m=39
